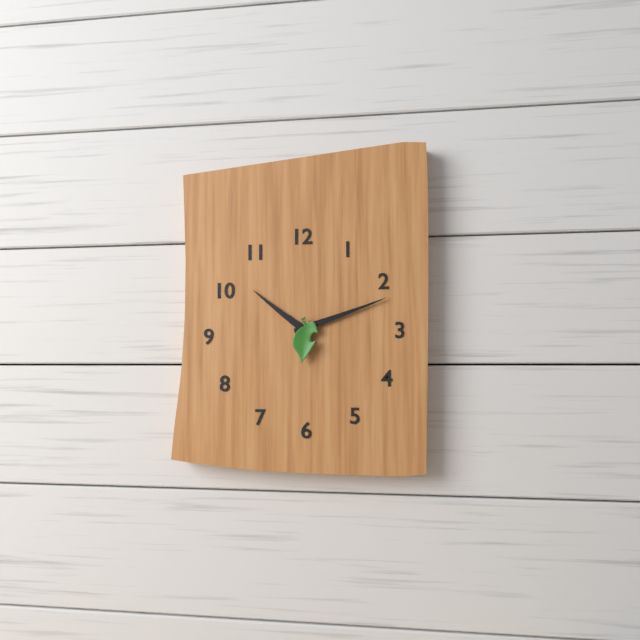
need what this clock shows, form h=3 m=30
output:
h=10 m=12
